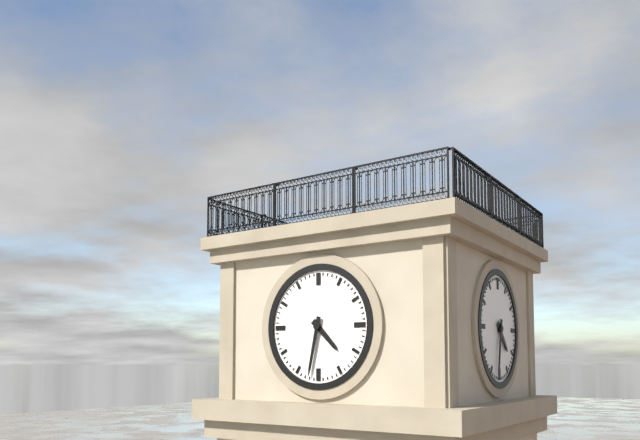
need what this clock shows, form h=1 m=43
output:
h=4 m=32
